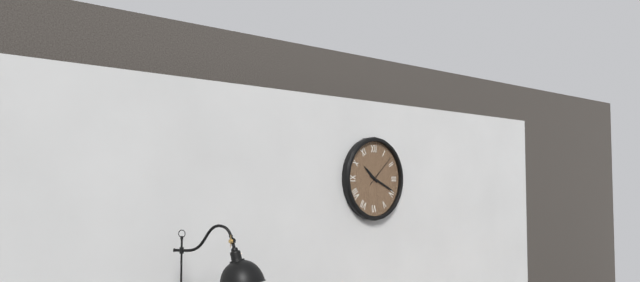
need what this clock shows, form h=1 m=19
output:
h=10 m=19
